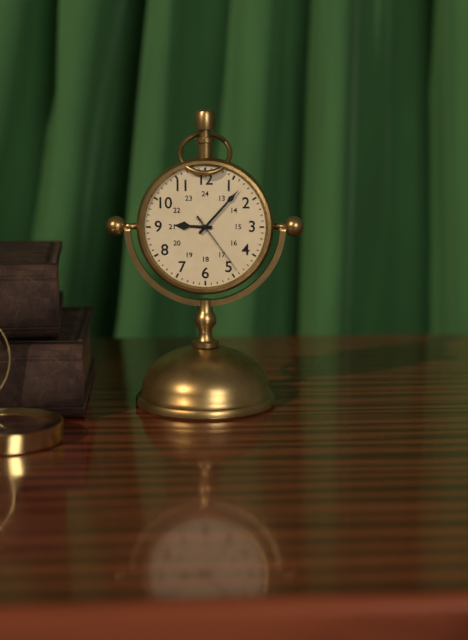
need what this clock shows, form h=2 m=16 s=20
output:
h=9 m=7 s=24
